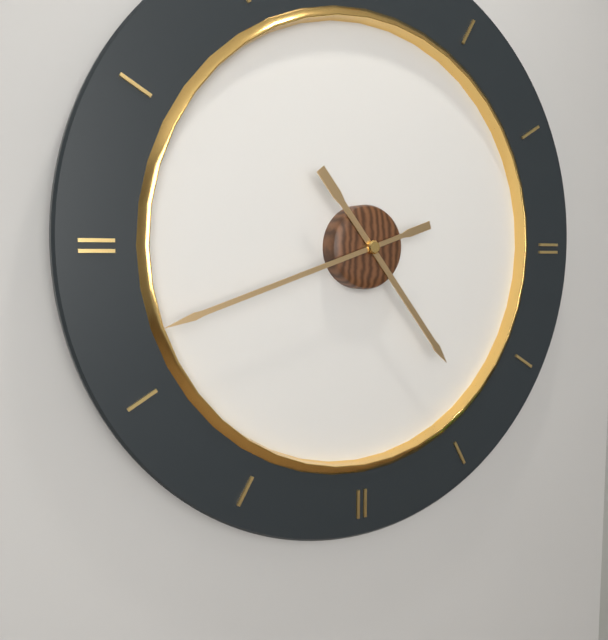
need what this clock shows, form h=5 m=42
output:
h=4 m=42
